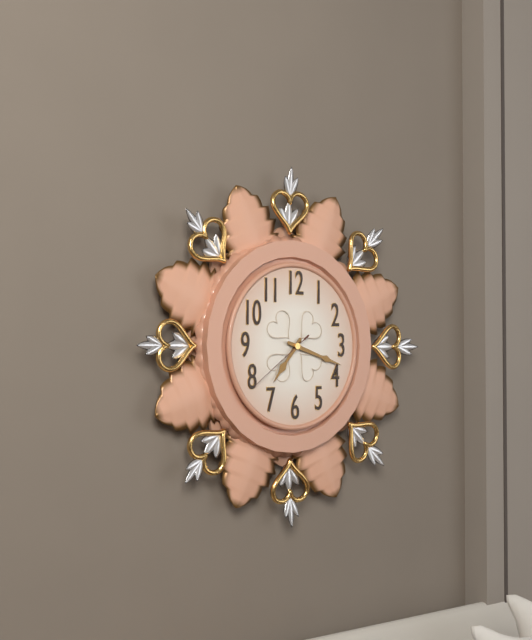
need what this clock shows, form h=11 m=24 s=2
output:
h=7 m=18 s=39
